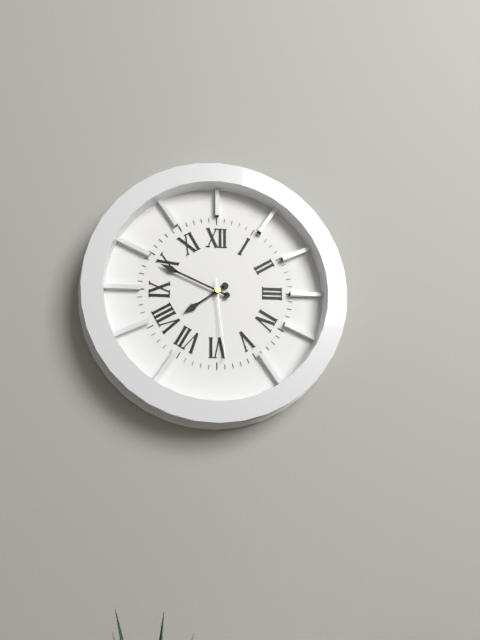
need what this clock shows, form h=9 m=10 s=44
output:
h=7 m=49 s=29
